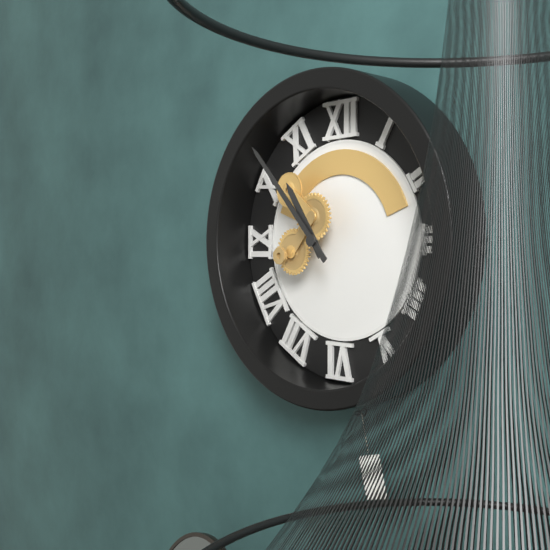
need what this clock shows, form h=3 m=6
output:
h=10 m=53
